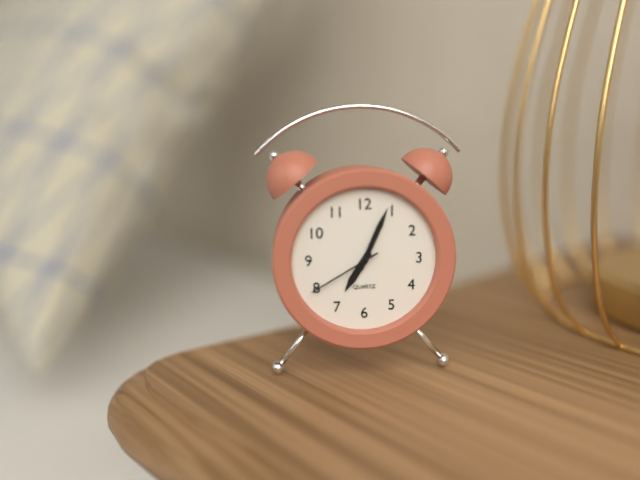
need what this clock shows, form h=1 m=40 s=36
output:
h=7 m=4 s=40
